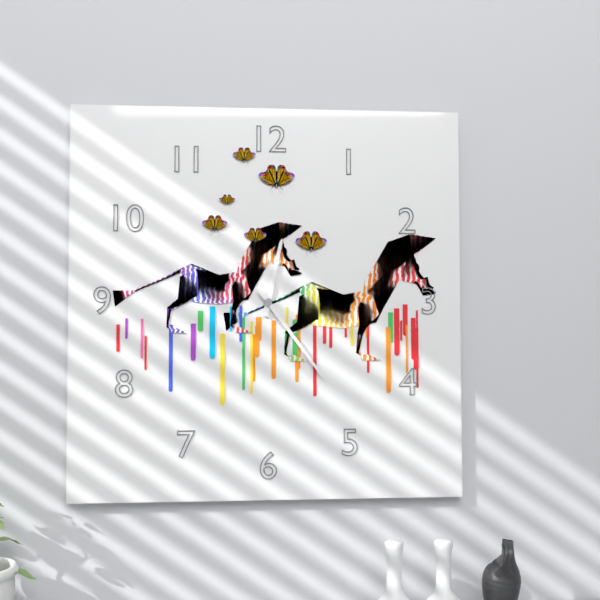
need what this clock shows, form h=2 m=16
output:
h=12 m=24
